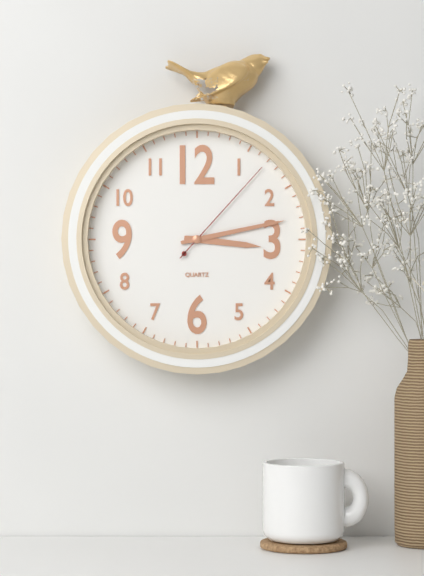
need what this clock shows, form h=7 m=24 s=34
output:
h=3 m=13 s=7
